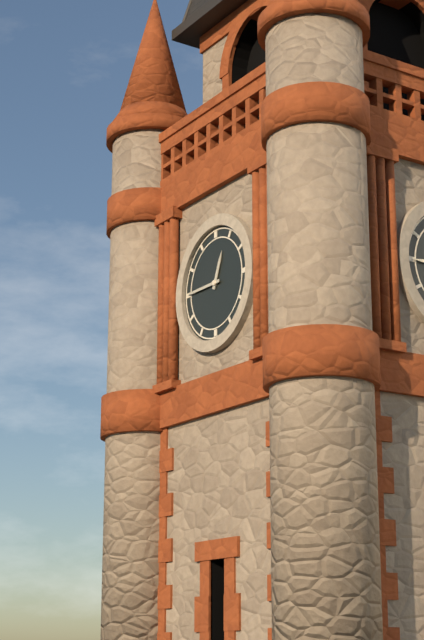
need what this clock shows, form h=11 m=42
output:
h=12 m=45
